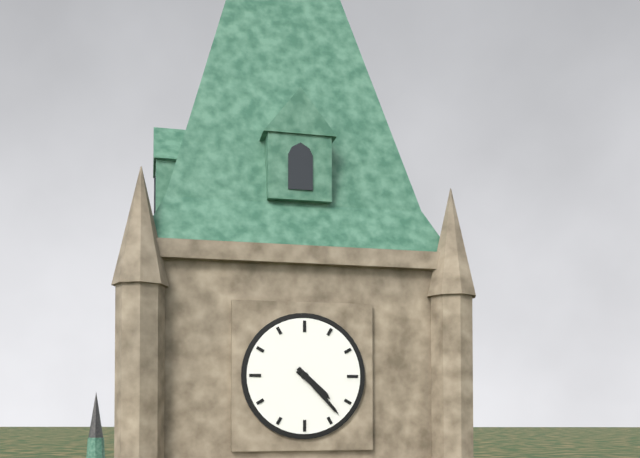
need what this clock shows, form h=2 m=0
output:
h=4 m=23
